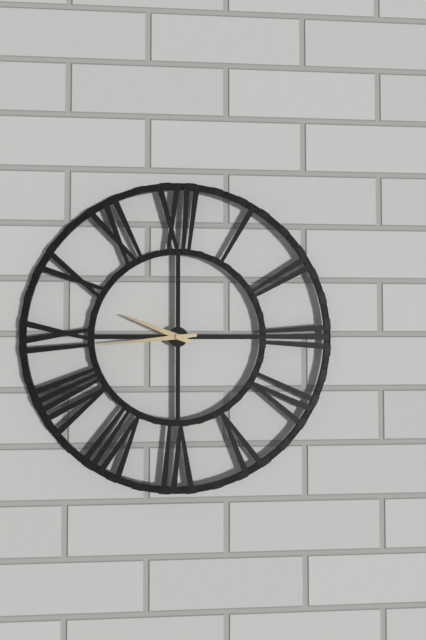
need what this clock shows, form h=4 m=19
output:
h=9 m=44
